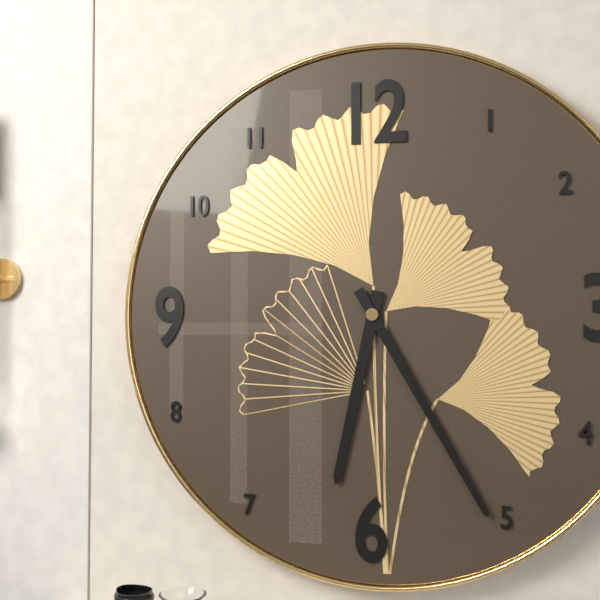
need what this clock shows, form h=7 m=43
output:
h=6 m=25
